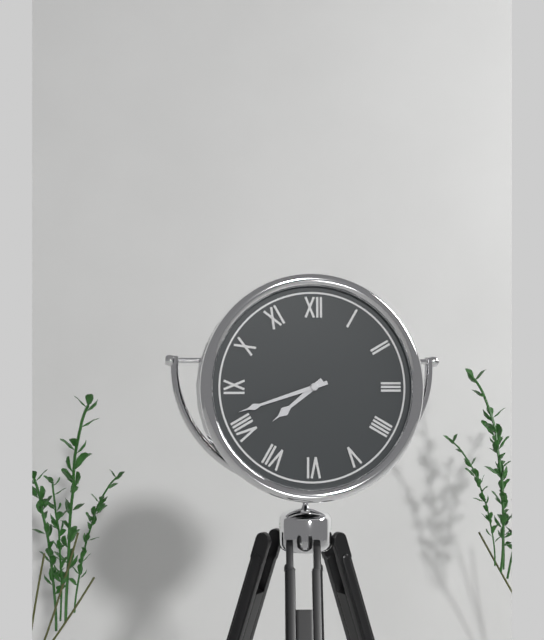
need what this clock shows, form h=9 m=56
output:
h=7 m=42
